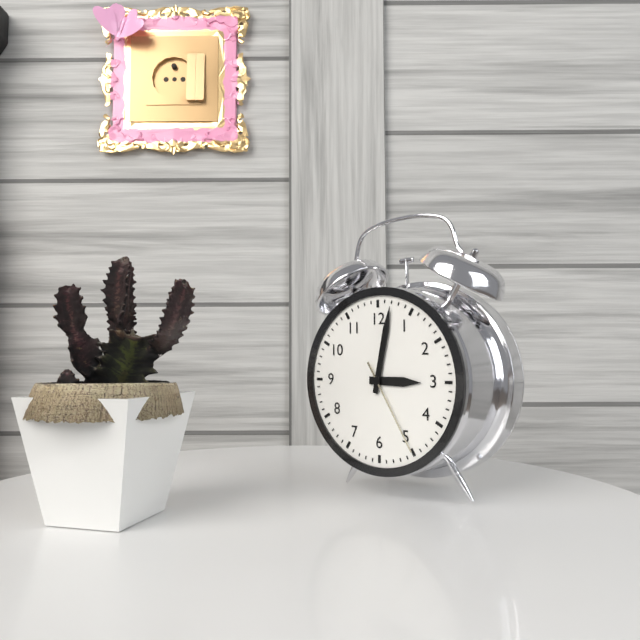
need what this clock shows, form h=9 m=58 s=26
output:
h=3 m=2 s=25
